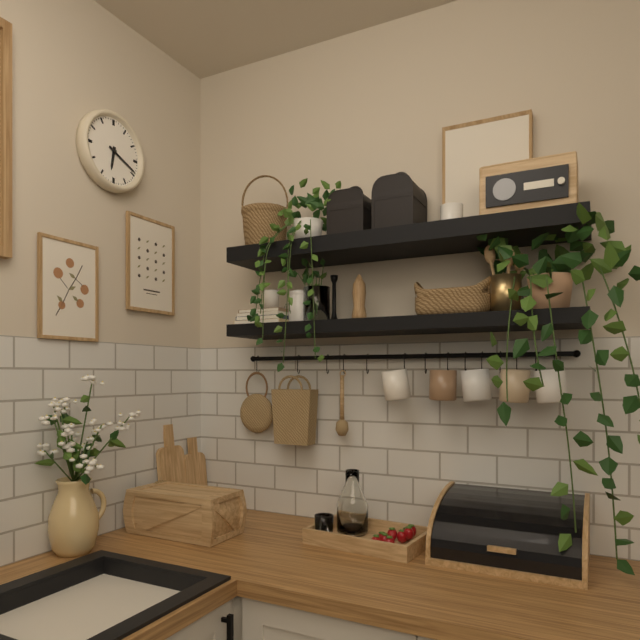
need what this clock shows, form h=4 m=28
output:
h=6 m=19
